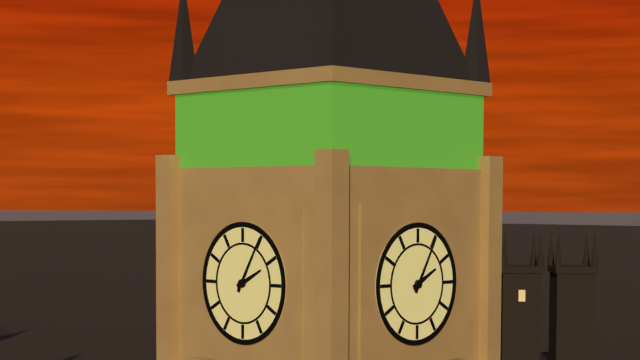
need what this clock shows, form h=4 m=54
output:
h=2 m=5
